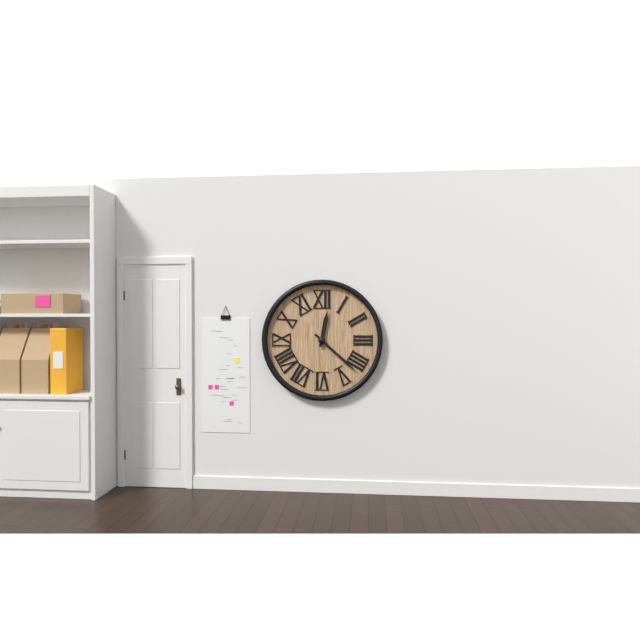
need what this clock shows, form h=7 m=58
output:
h=12 m=22
